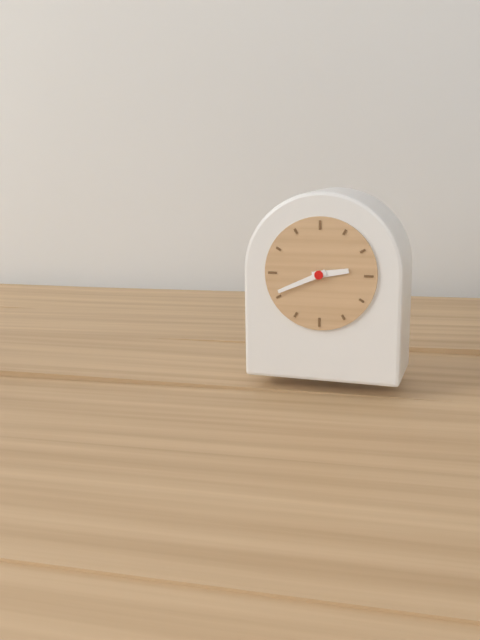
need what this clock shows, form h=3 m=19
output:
h=2 m=41
